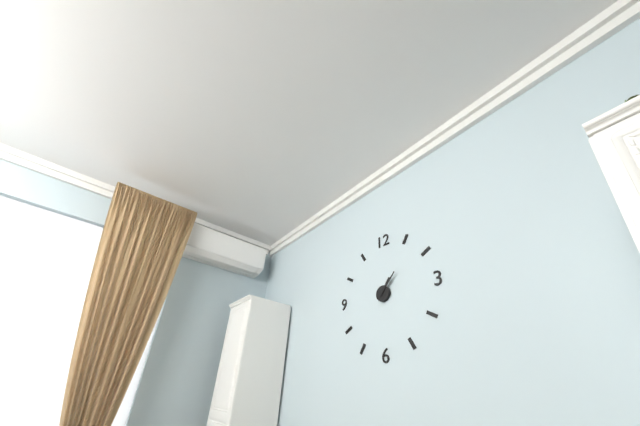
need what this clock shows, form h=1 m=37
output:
h=1 m=7
